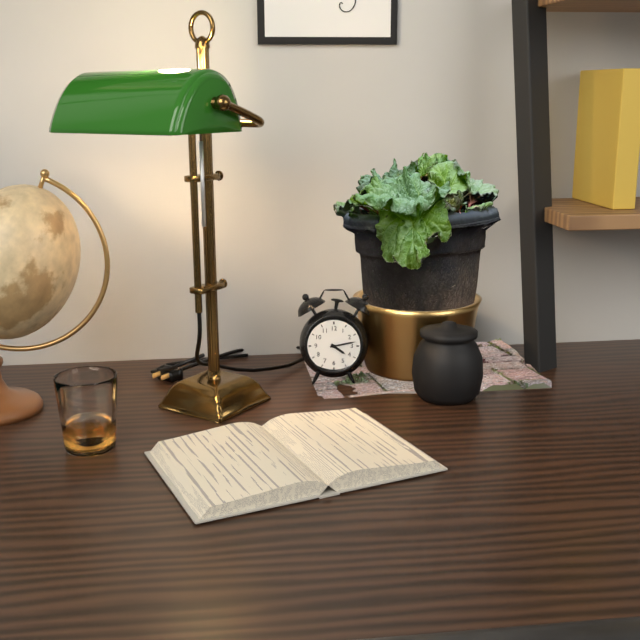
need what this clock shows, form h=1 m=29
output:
h=4 m=13
